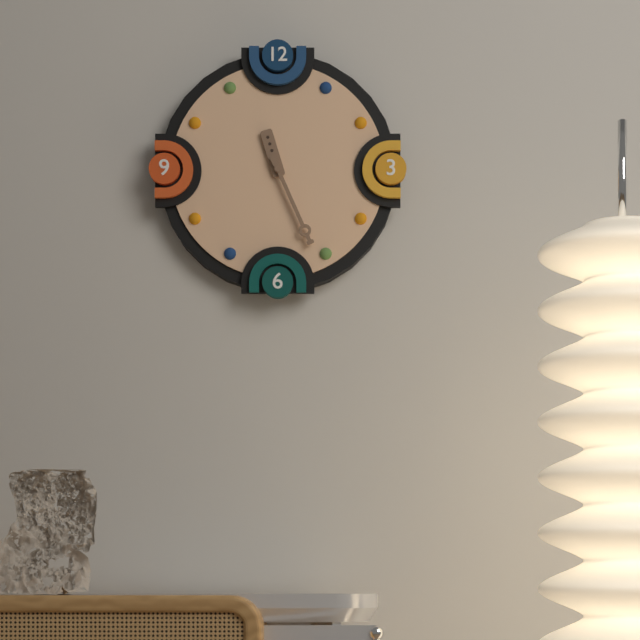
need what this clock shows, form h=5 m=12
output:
h=11 m=26
